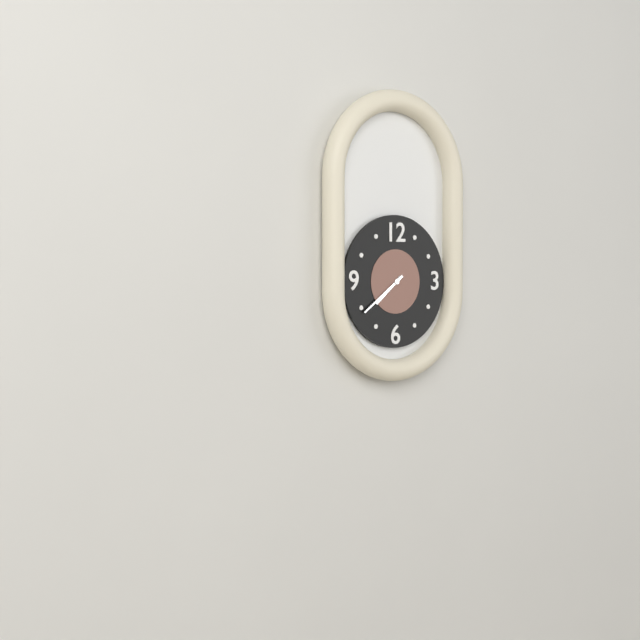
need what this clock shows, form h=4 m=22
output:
h=7 m=39
